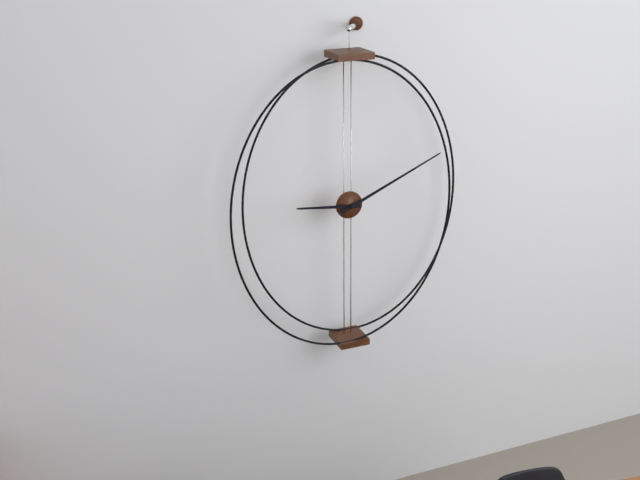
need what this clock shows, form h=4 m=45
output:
h=9 m=11
